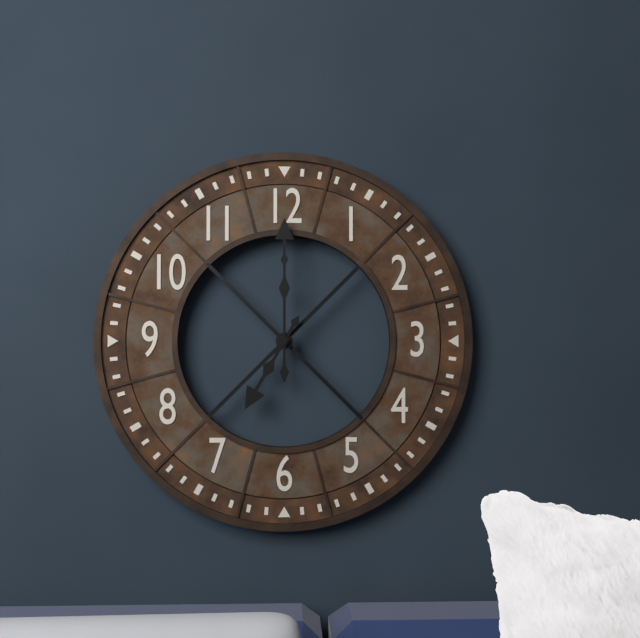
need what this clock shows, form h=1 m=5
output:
h=7 m=0
